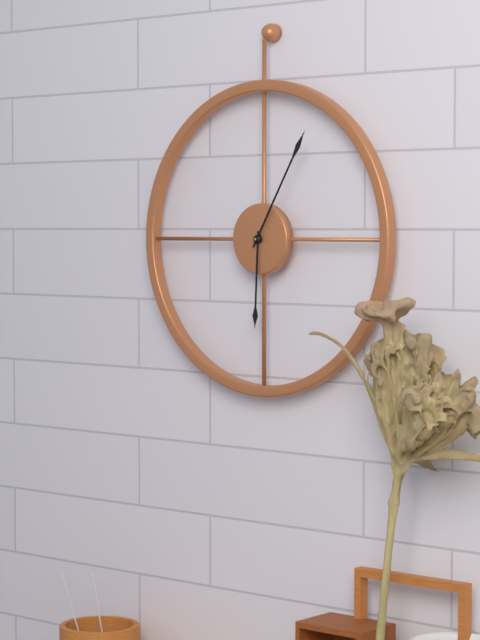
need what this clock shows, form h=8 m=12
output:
h=6 m=5
